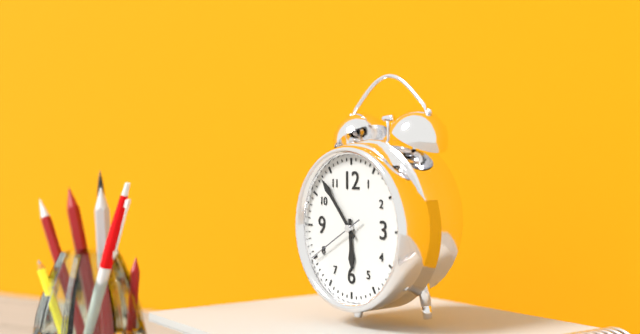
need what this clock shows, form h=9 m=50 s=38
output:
h=5 m=53 s=40
